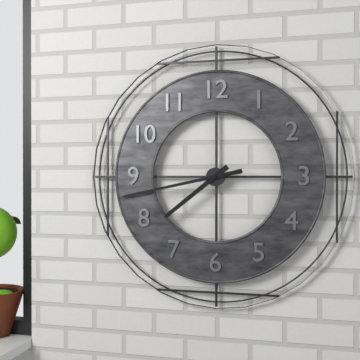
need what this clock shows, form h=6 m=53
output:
h=7 m=43
